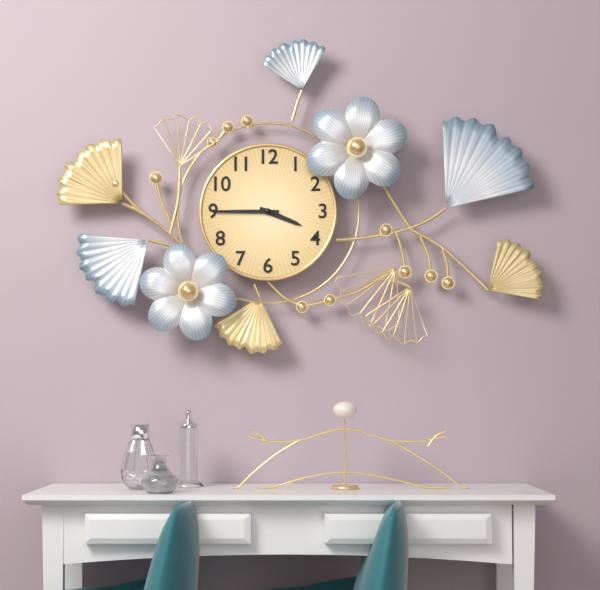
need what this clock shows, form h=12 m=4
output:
h=3 m=45
